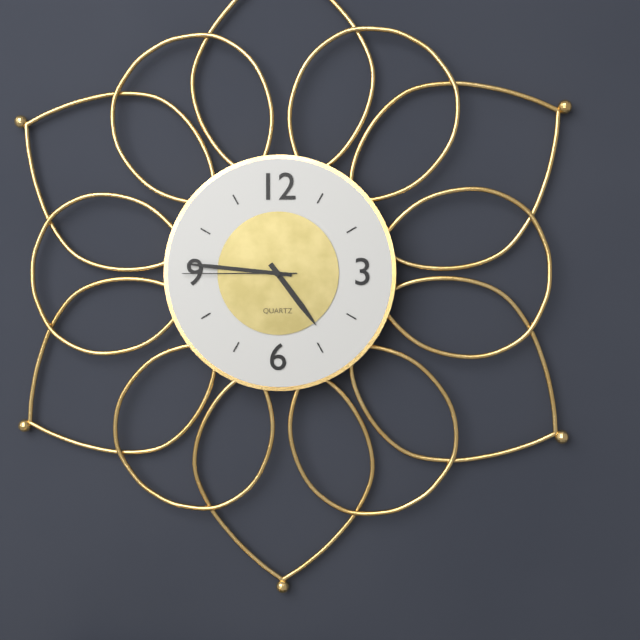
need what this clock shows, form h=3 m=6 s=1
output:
h=4 m=46 s=45
